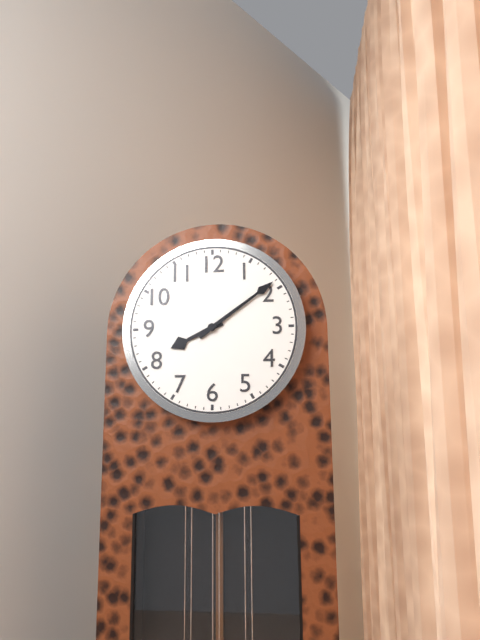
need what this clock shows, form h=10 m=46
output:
h=8 m=9
